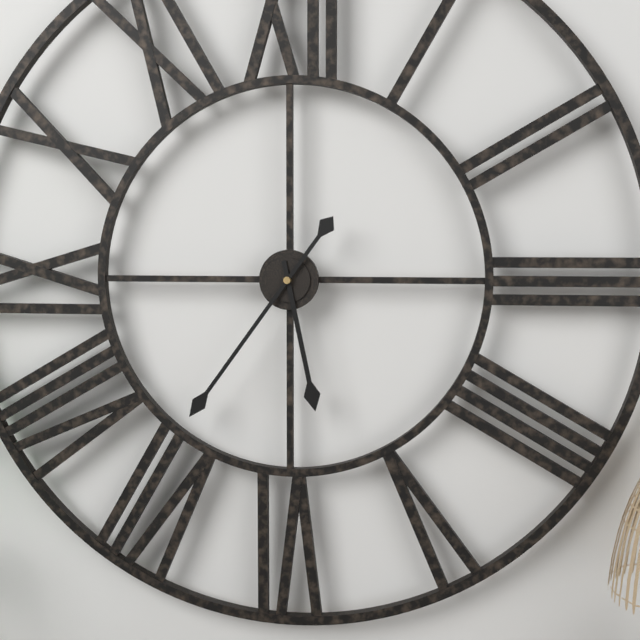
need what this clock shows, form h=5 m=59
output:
h=5 m=36
